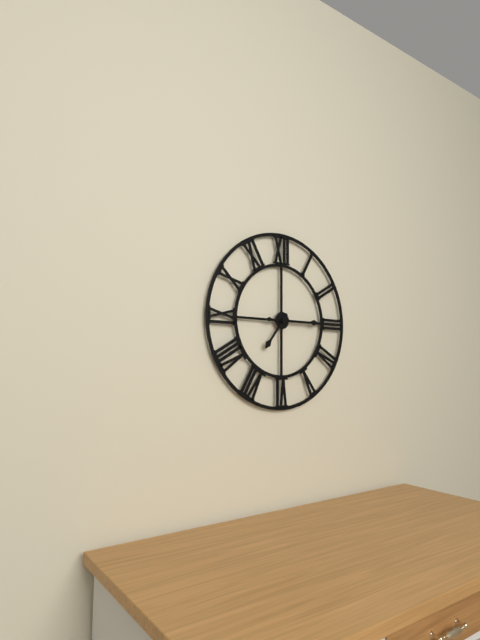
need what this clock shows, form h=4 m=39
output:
h=7 m=15
